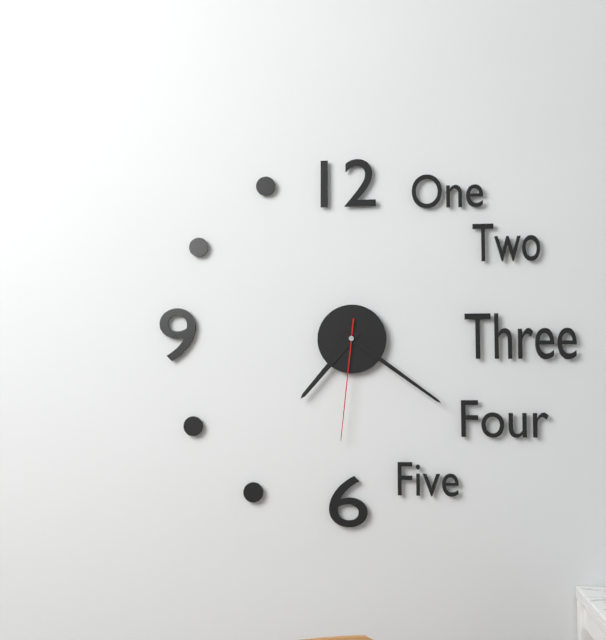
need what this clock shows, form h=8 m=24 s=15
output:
h=7 m=21 s=31
